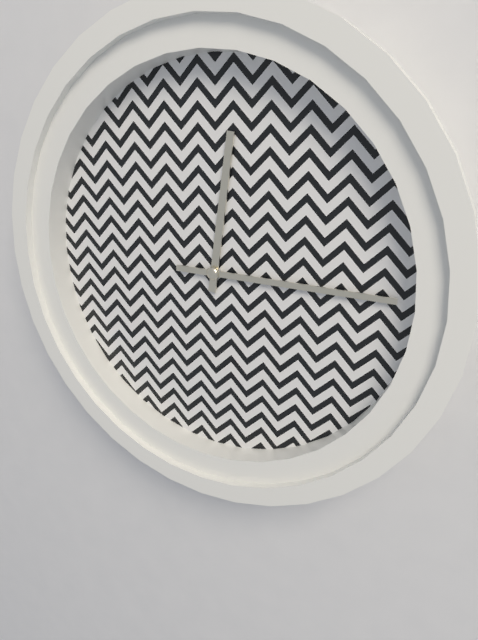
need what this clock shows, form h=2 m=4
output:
h=12 m=15
